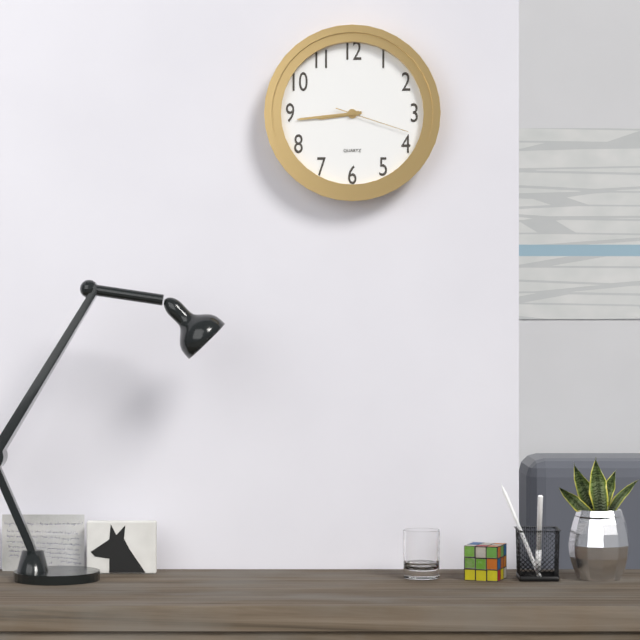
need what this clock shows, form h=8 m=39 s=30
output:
h=8 m=44 s=18
